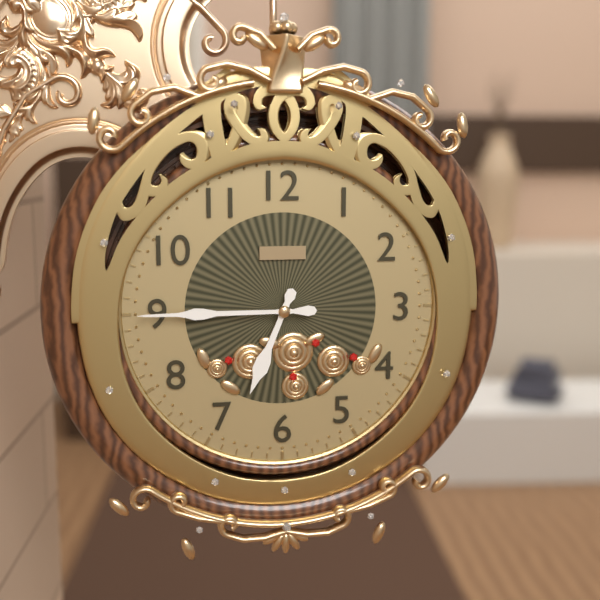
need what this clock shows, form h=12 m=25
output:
h=6 m=45
